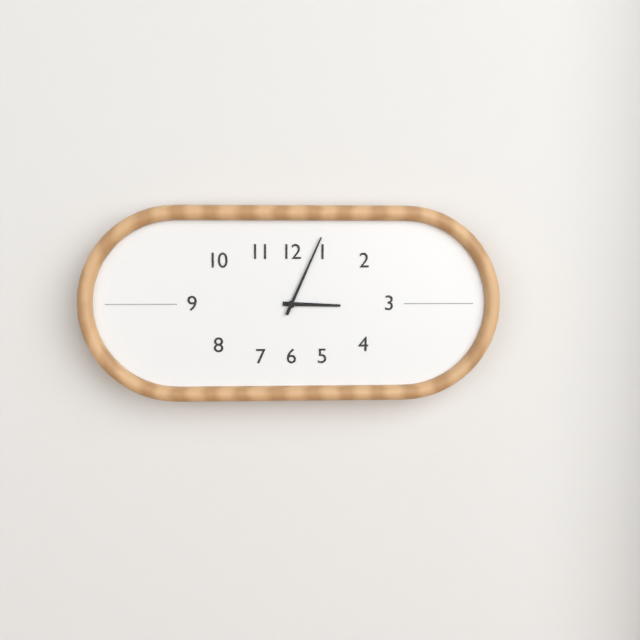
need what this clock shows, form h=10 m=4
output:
h=3 m=4
